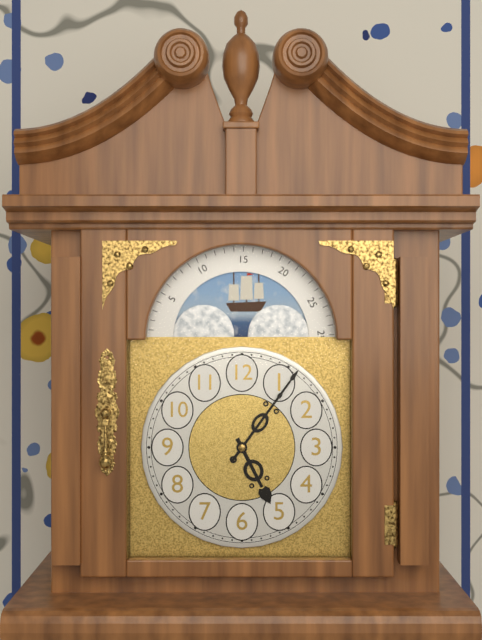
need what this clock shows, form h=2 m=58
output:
h=5 m=6
